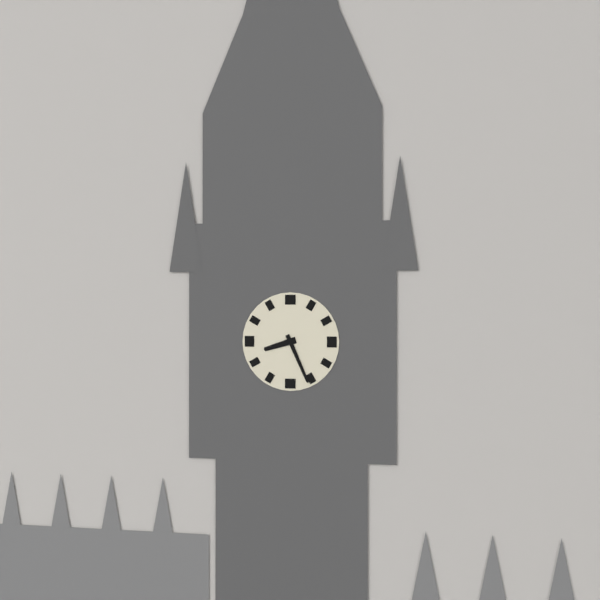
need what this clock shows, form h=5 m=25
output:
h=8 m=26
